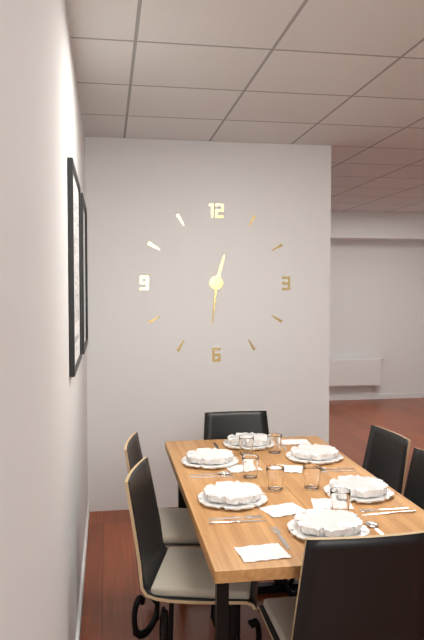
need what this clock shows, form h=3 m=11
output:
h=12 m=31
